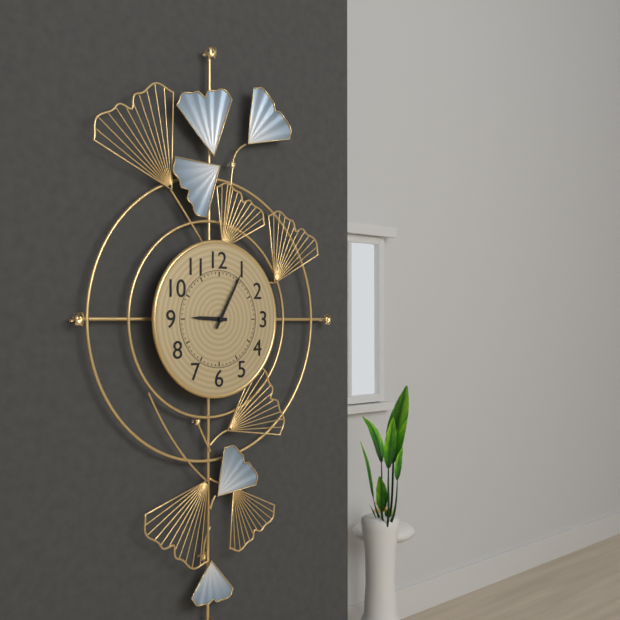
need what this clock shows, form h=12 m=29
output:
h=9 m=5
